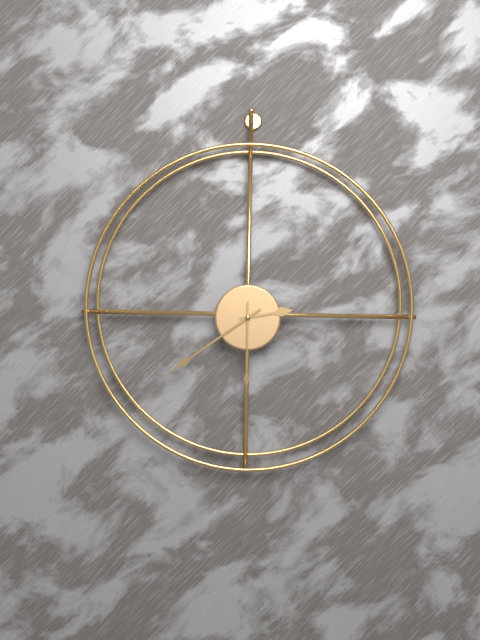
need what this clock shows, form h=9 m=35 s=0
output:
h=2 m=39 s=30
